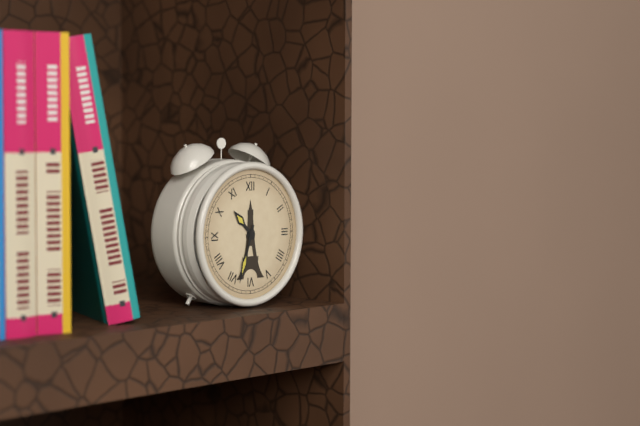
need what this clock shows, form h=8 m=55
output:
h=10 m=33
